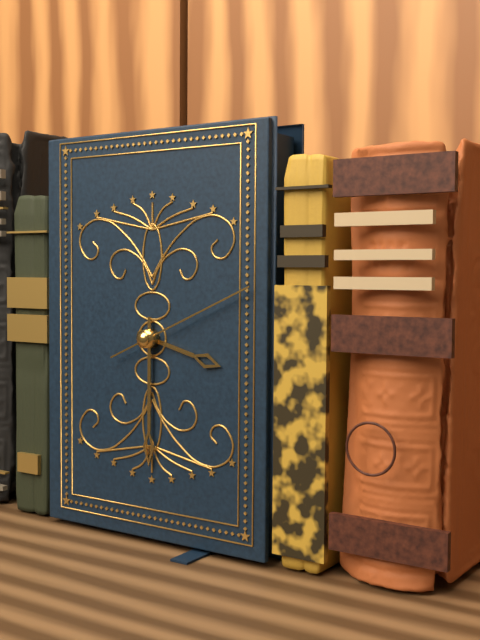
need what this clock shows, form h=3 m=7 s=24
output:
h=3 m=30 s=11
